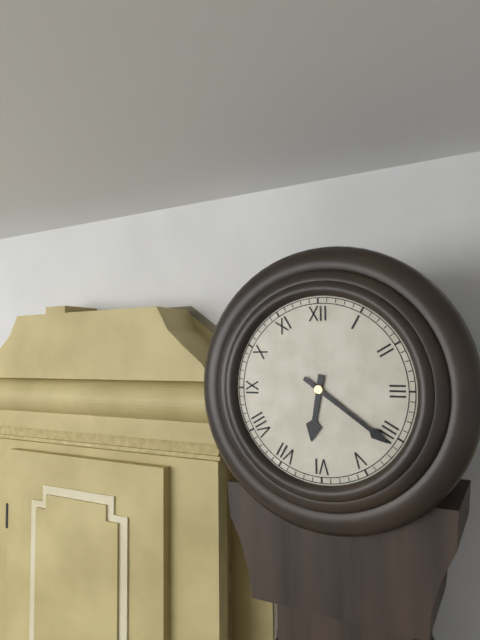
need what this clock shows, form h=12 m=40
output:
h=6 m=21
